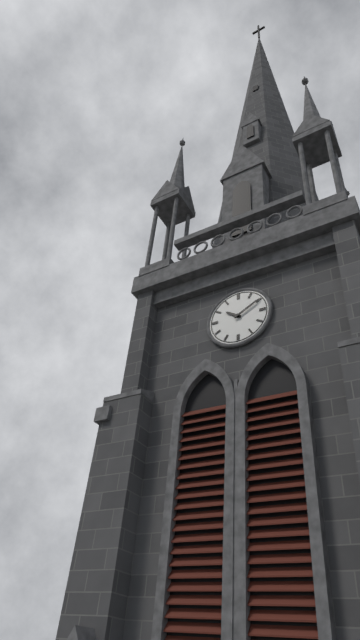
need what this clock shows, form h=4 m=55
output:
h=10 m=10
